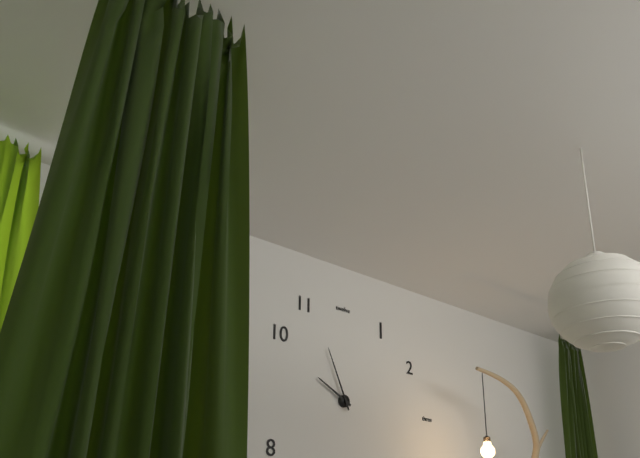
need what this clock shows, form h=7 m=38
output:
h=9 m=56
